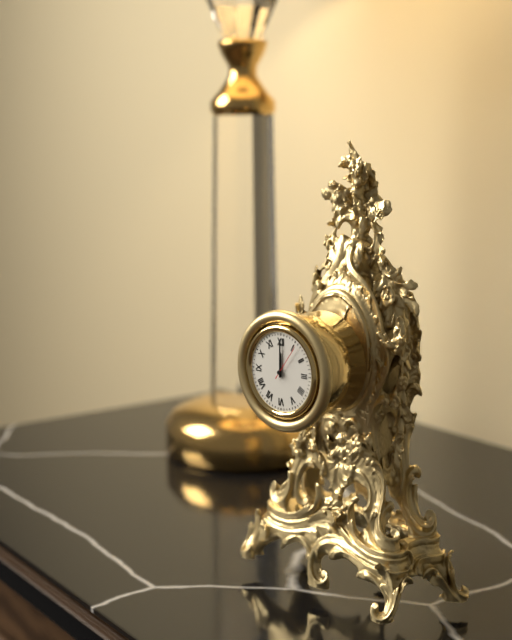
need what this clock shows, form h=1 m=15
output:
h=12 m=0
